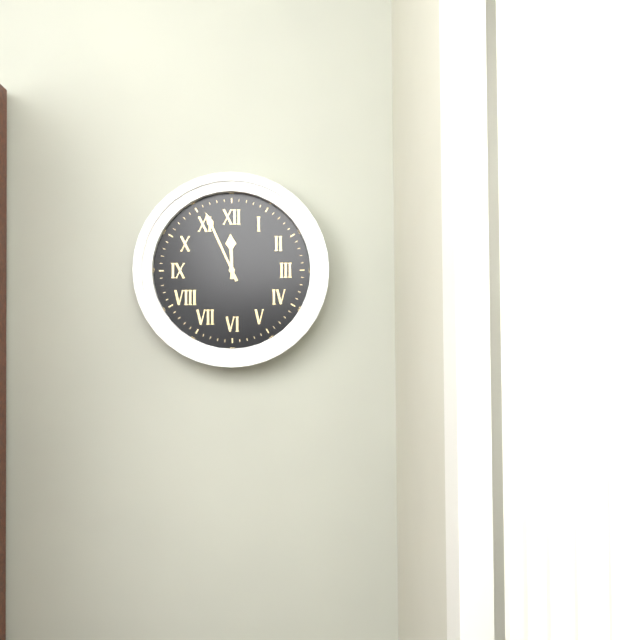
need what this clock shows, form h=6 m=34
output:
h=11 m=56
